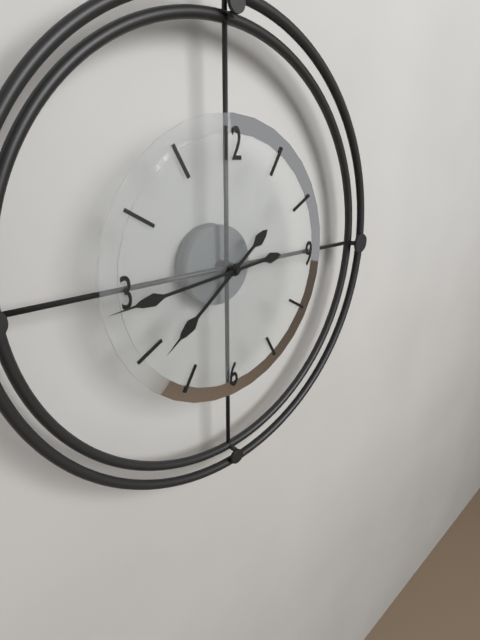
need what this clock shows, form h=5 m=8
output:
h=7 m=44
